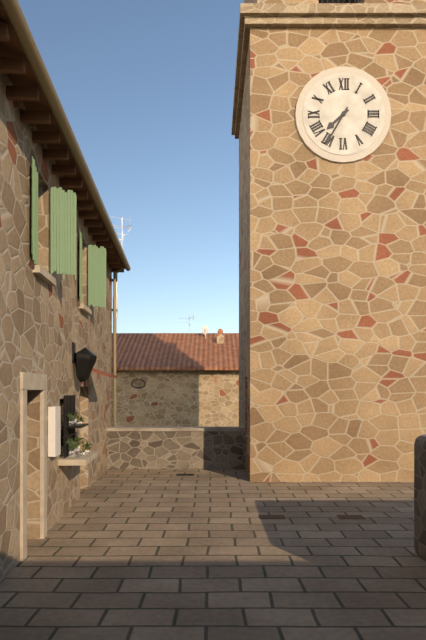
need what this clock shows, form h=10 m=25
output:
h=7 m=35
